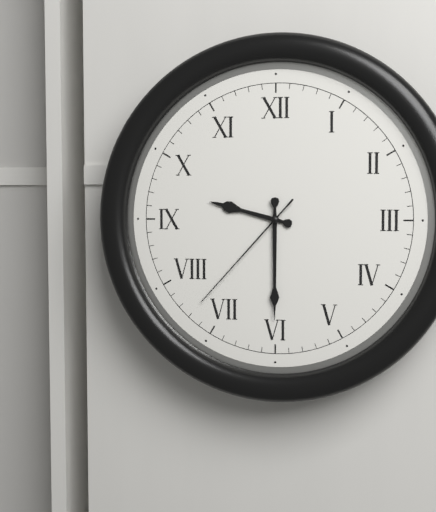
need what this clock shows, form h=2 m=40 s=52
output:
h=9 m=30 s=37
